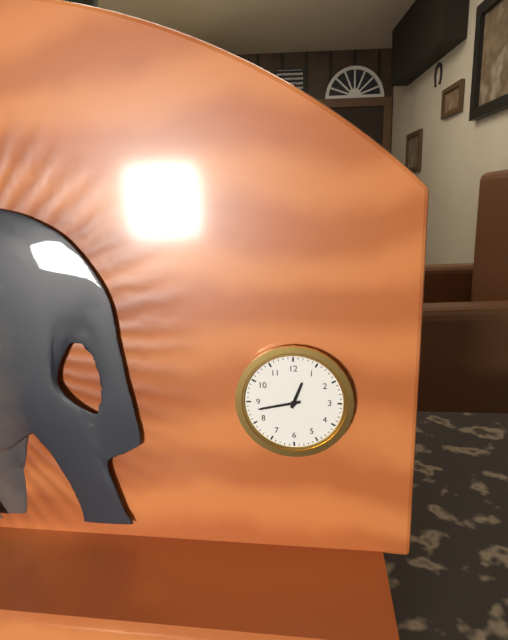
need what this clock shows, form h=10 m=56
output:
h=12 m=43
